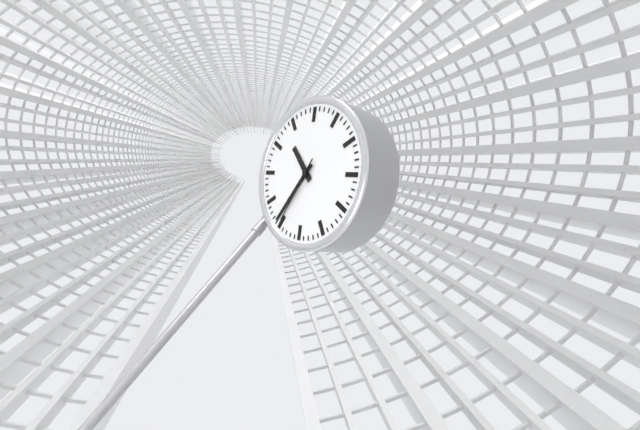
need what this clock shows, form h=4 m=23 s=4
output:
h=10 m=36 s=35
